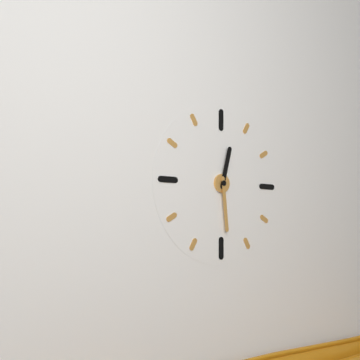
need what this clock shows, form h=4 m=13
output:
h=12 m=29
